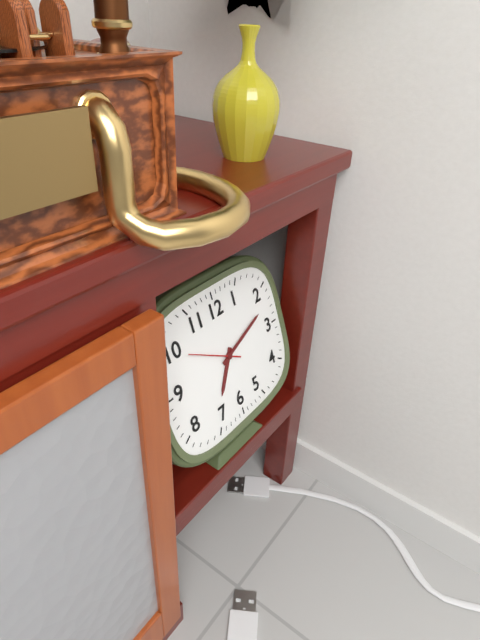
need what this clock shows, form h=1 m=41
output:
h=7 m=12
